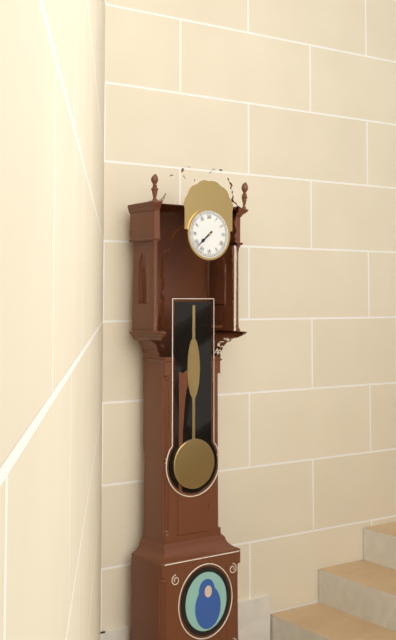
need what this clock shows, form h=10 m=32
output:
h=7 m=38
